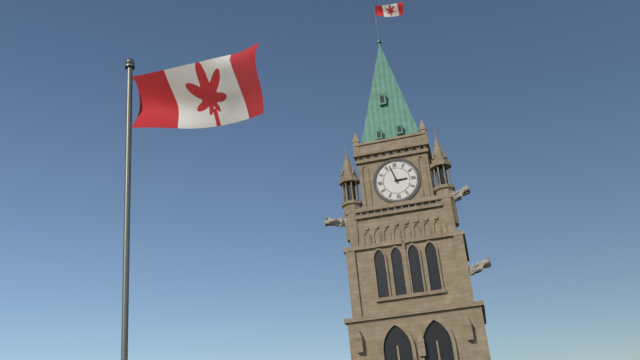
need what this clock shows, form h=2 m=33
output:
h=2 m=57
